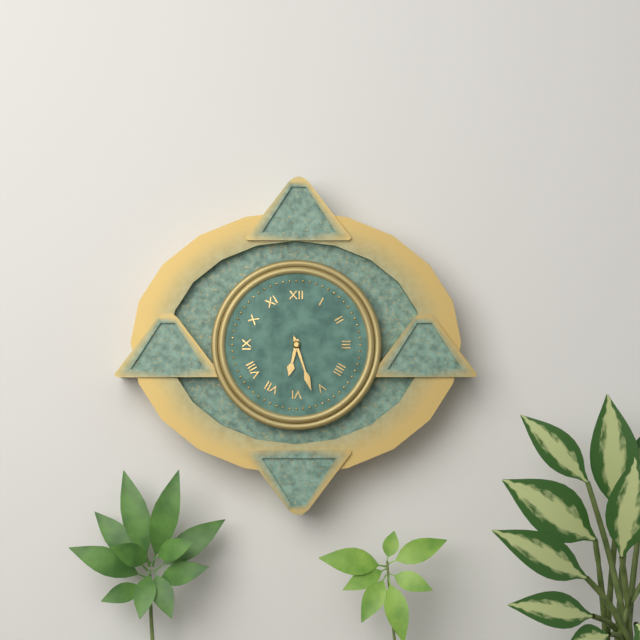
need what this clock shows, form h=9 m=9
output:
h=6 m=27
